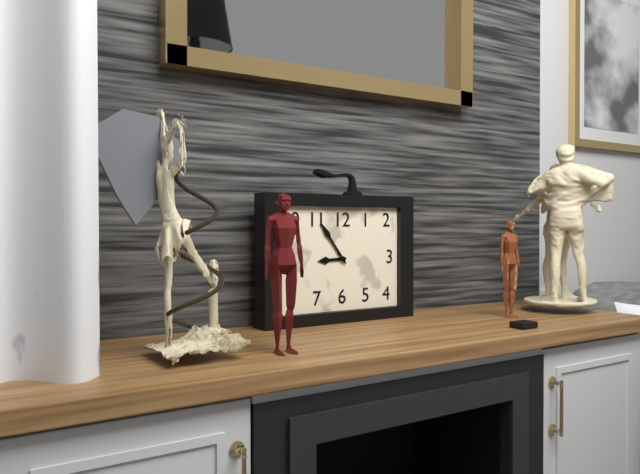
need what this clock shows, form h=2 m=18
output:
h=8 m=54
